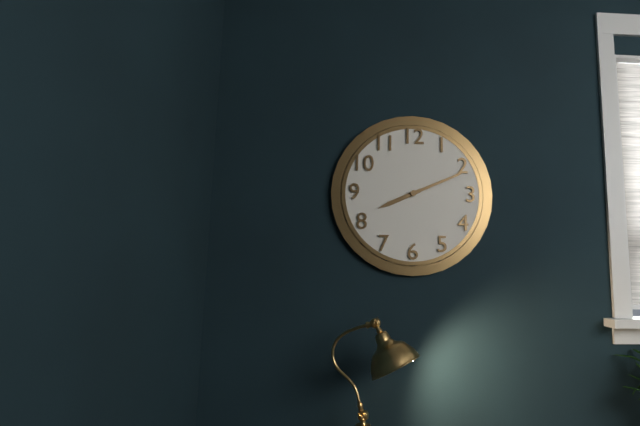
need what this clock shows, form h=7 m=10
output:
h=8 m=11
